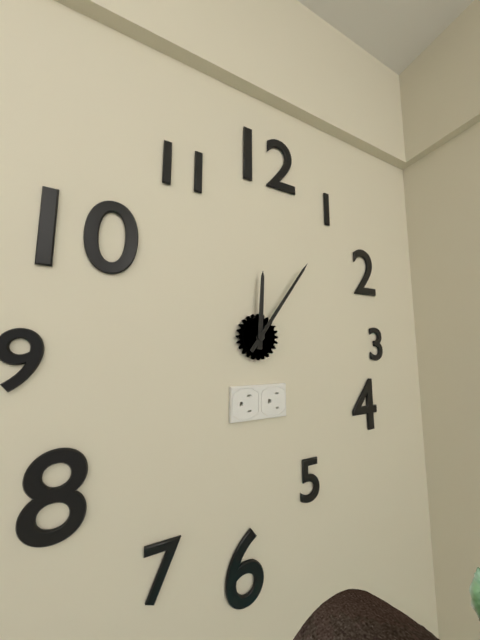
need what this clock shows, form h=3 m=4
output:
h=12 m=6
